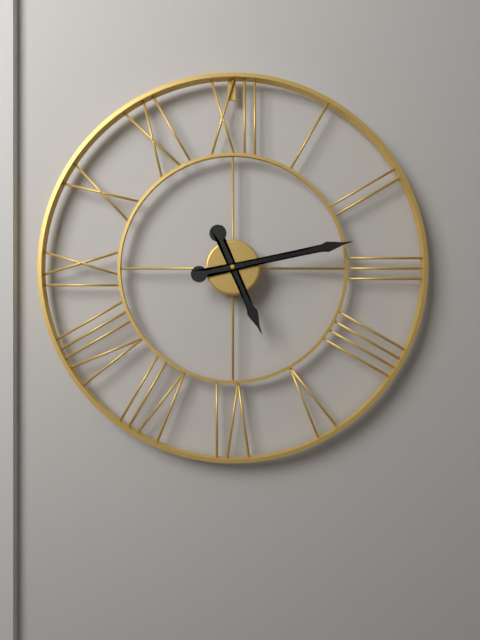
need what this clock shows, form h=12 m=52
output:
h=5 m=13
